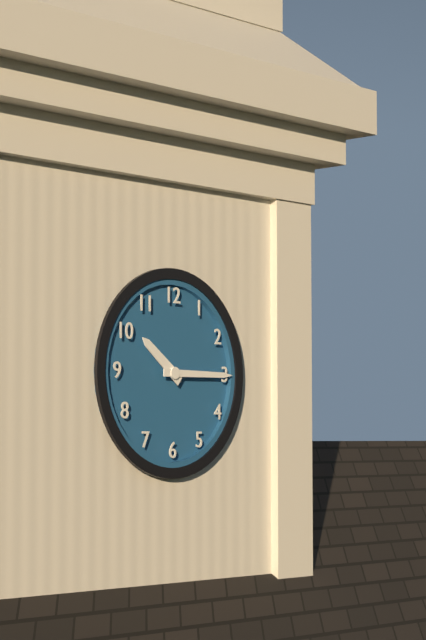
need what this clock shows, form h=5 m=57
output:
h=10 m=15
